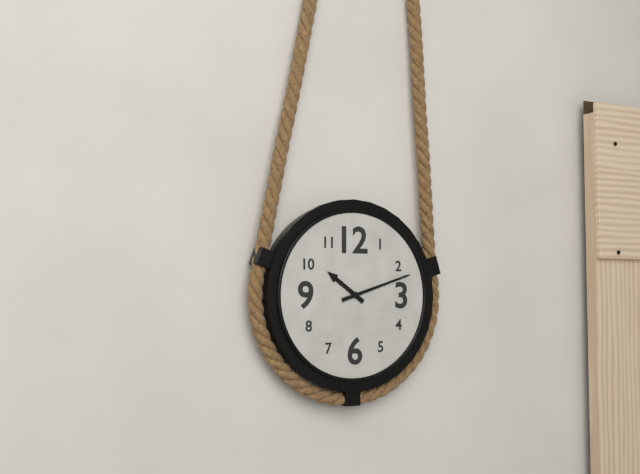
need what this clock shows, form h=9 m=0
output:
h=10 m=12
